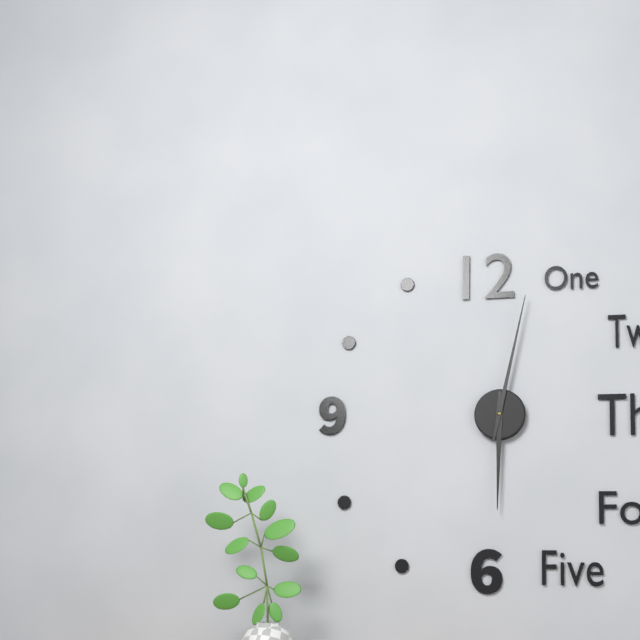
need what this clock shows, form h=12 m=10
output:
h=6 m=2
